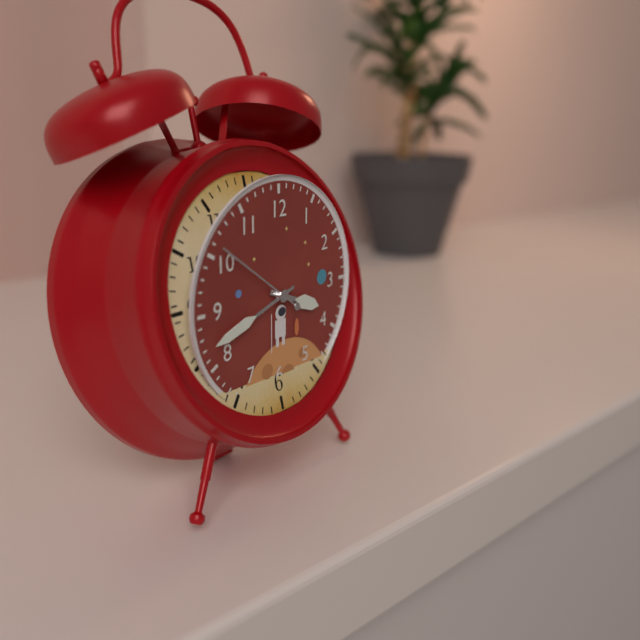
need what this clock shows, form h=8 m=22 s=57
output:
h=3 m=42 s=51
